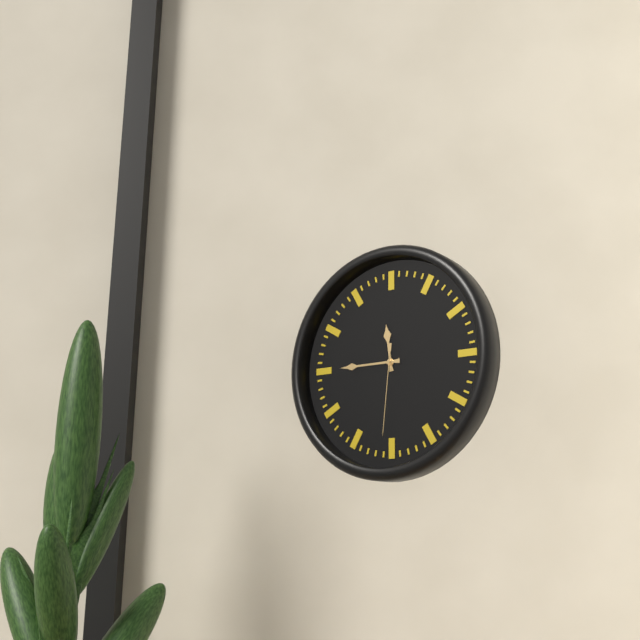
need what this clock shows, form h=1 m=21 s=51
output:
h=11 m=45 s=31
